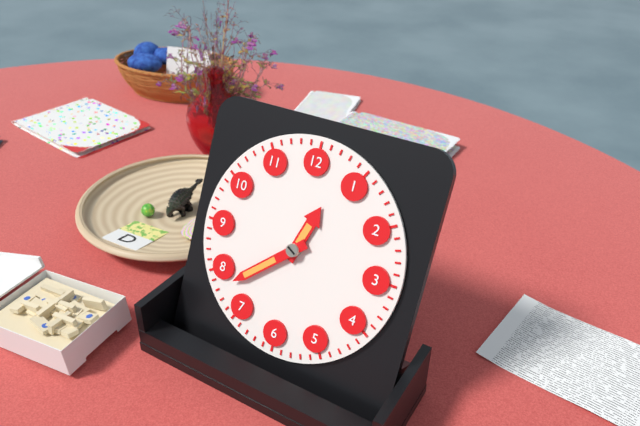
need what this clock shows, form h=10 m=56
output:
h=12 m=38
